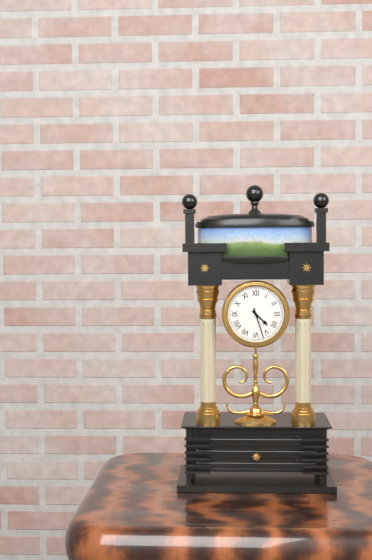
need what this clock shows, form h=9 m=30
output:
h=4 m=27
